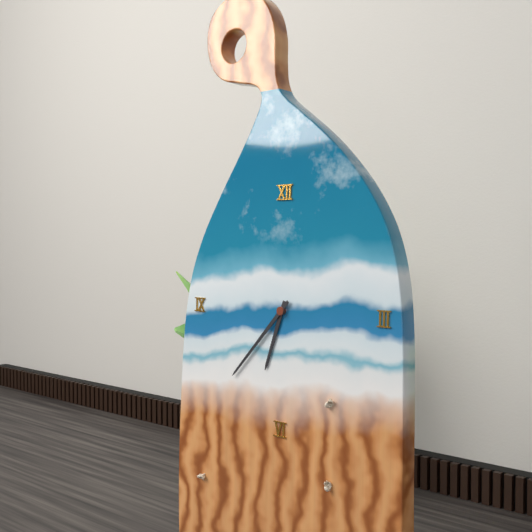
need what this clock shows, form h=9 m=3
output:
h=6 m=37
